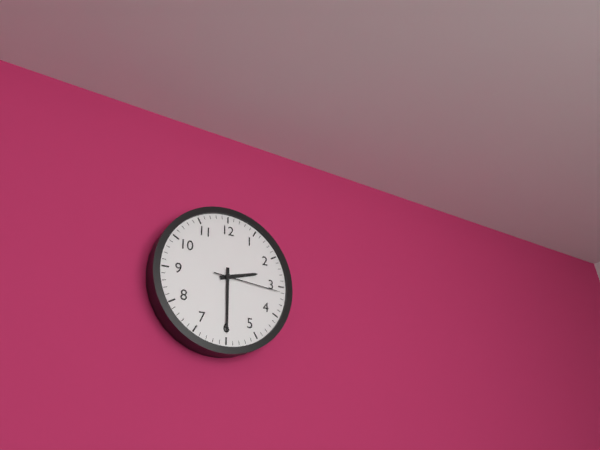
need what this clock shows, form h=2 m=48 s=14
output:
h=2 m=30 s=16
